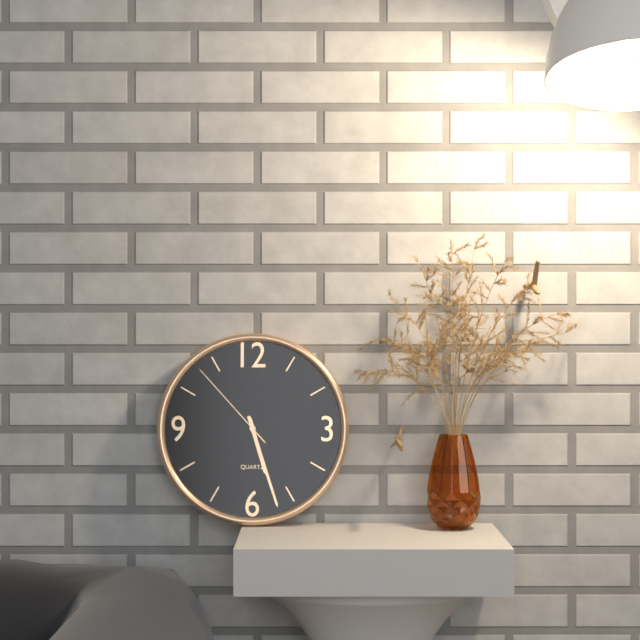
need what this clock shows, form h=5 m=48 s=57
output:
h=5 m=27 s=53
